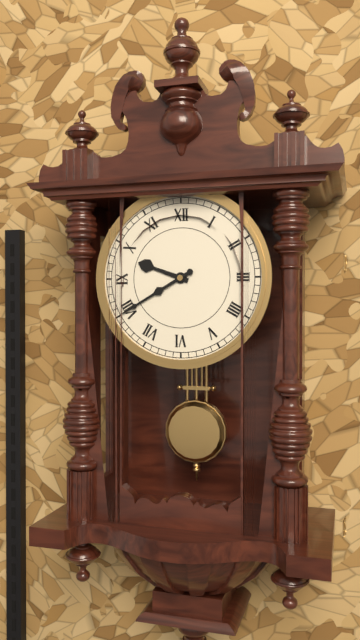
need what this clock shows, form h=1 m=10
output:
h=9 m=40
